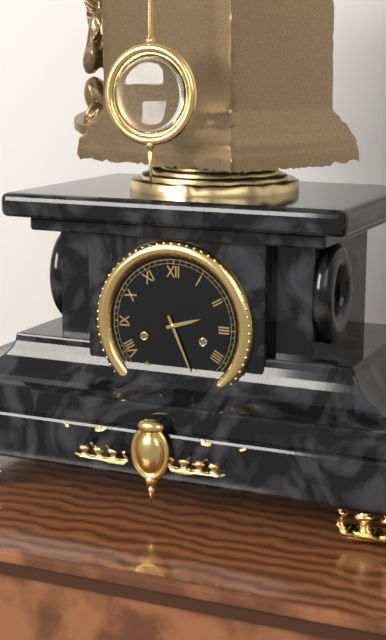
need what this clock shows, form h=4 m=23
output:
h=2 m=26
